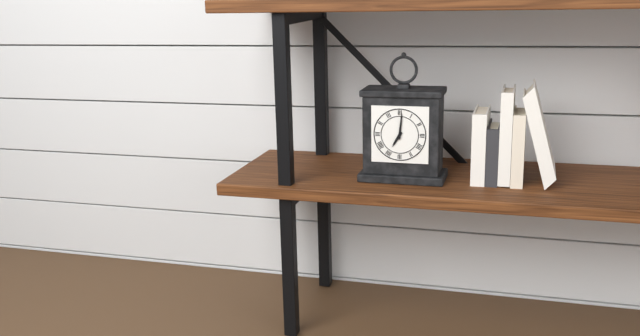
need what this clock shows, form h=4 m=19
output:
h=7 m=1
